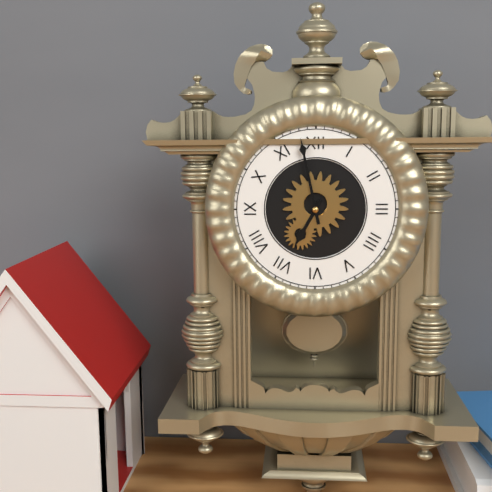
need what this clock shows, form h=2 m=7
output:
h=6 m=58
